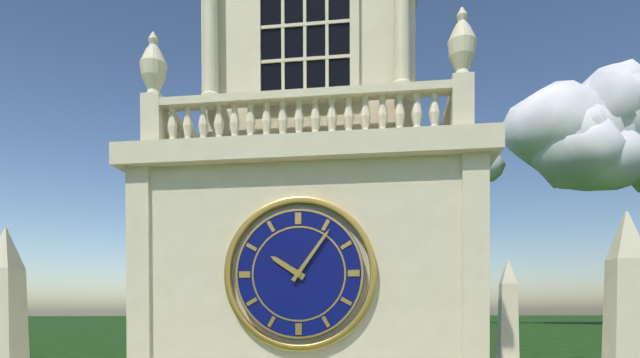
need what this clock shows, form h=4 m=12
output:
h=10 m=6
